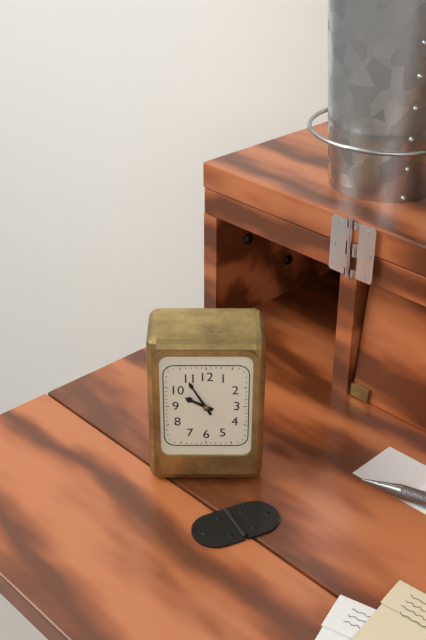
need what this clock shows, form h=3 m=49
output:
h=9 m=55
